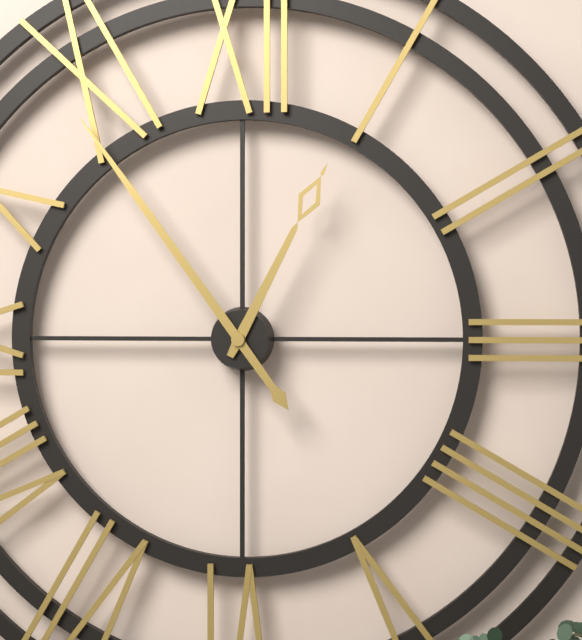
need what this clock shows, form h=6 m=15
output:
h=12 m=54
